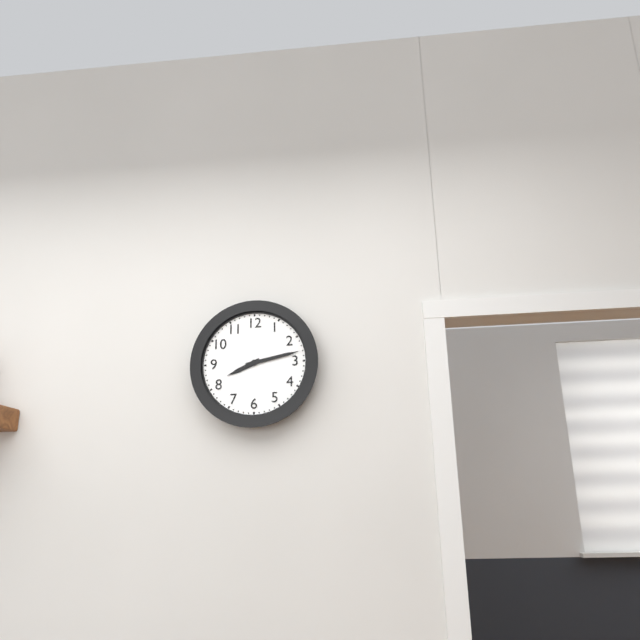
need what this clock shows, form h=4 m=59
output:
h=8 m=13
